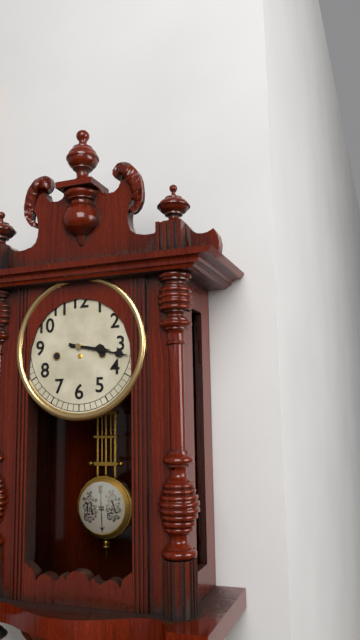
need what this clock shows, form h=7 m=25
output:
h=3 m=17
